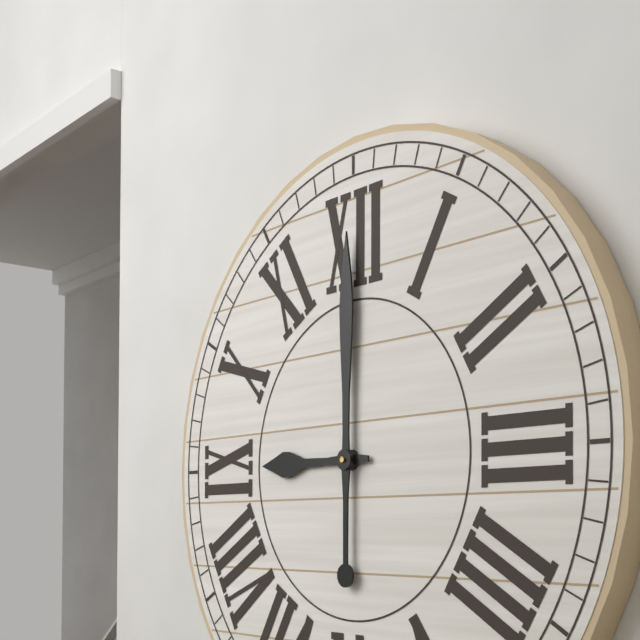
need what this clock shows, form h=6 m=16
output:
h=9 m=0
